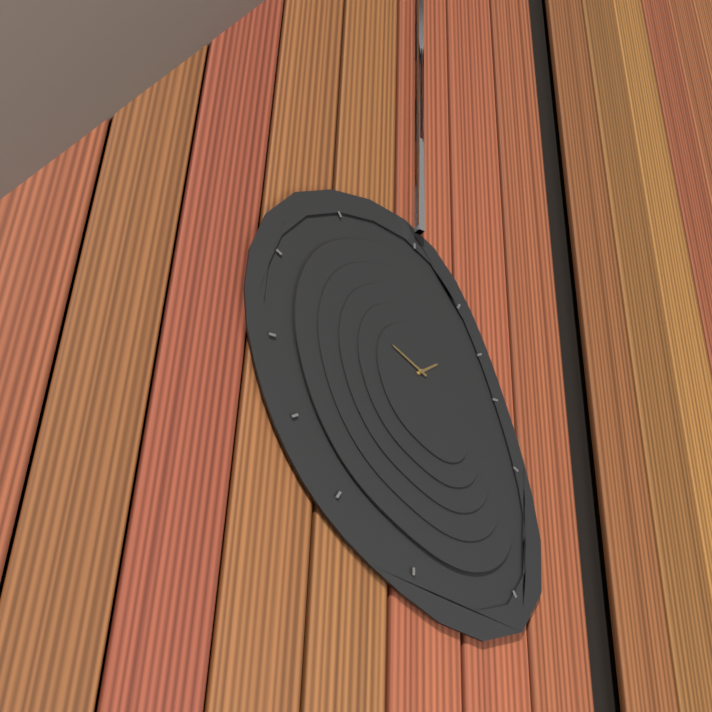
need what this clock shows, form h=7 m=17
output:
h=1 m=50
